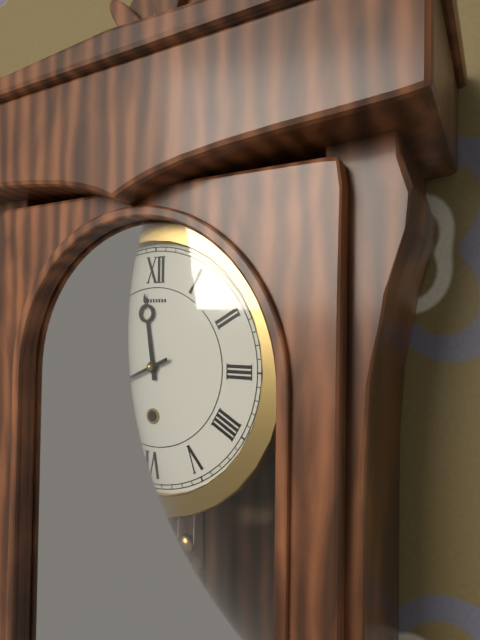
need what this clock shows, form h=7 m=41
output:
h=11 m=41
